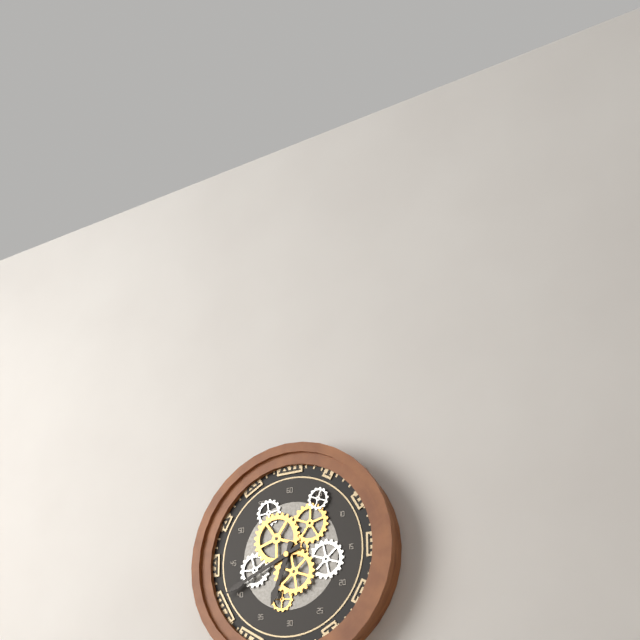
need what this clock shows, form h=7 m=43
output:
h=6 m=41
